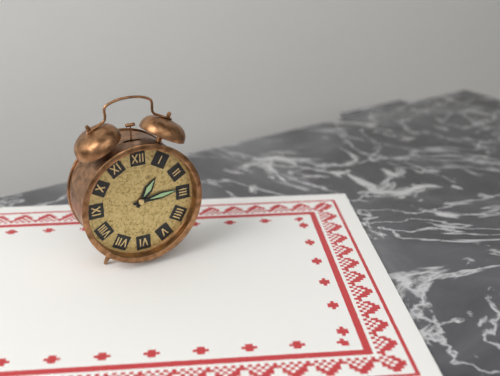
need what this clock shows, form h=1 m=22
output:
h=1 m=14
